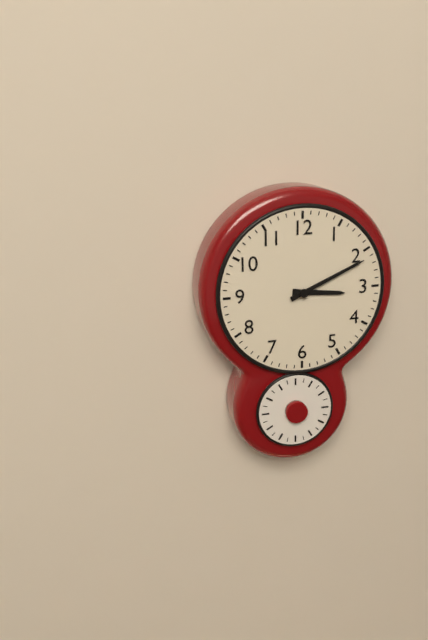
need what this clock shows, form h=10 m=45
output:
h=3 m=11
